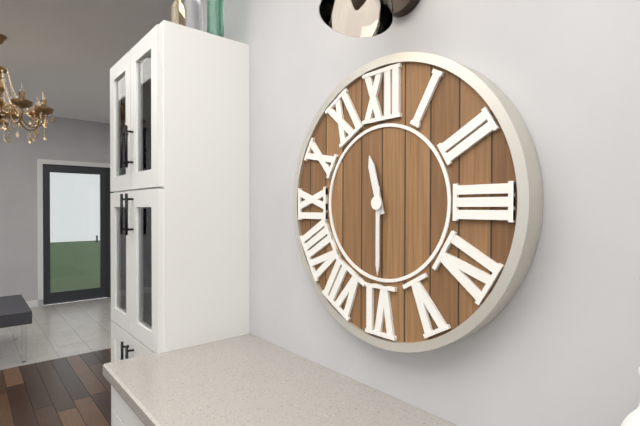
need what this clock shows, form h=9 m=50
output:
h=11 m=30
